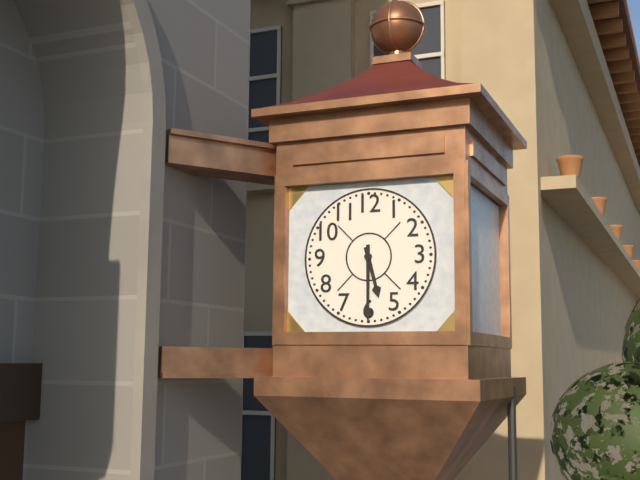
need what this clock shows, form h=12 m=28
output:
h=5 m=30
